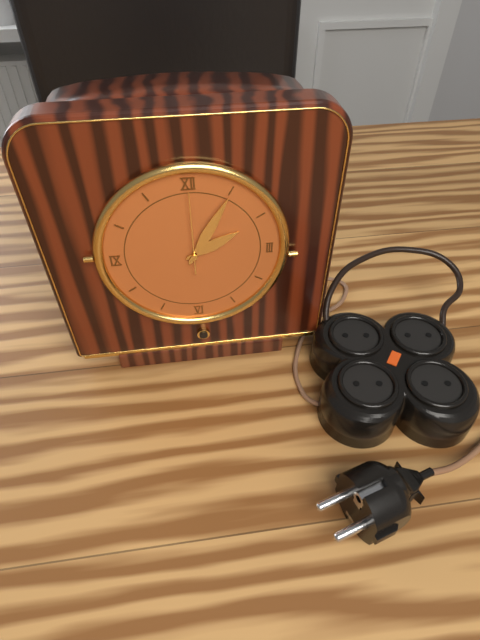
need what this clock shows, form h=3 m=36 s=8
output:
h=2 m=5 s=0
